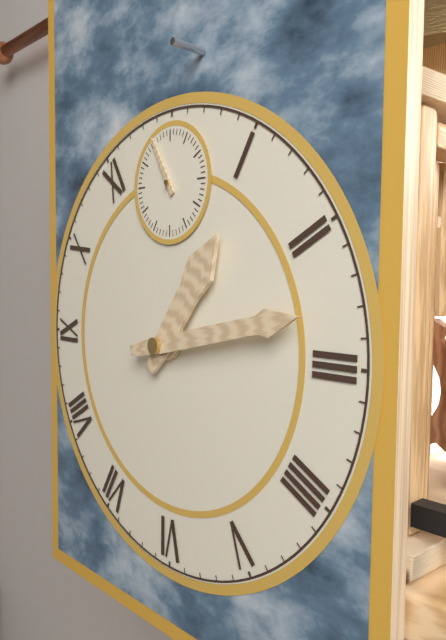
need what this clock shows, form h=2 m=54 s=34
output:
h=1 m=13 s=55
